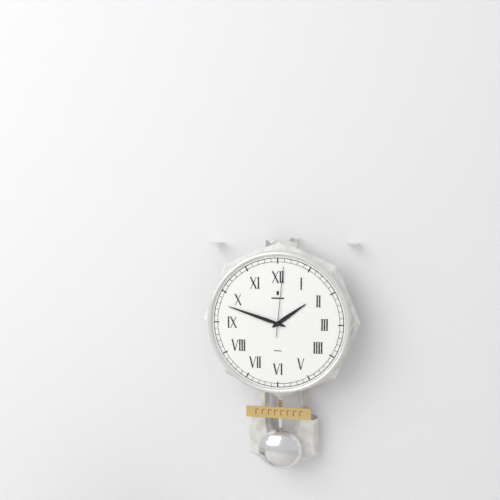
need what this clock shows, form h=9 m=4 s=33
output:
h=1 m=48 s=1
